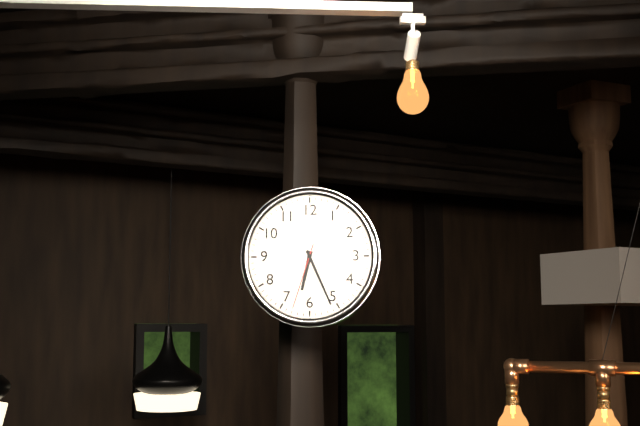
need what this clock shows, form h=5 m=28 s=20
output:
h=6 m=26 s=33
